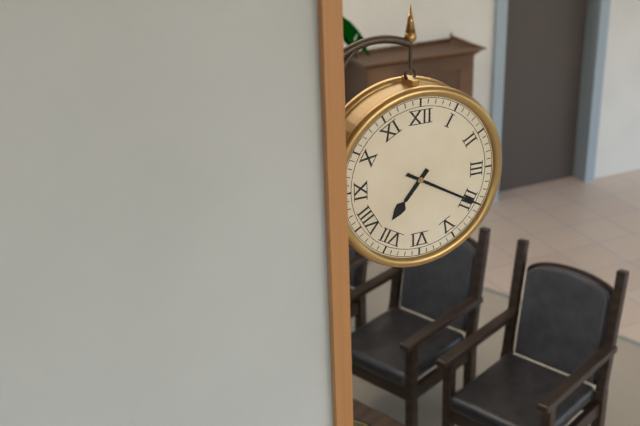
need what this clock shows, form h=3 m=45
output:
h=7 m=20
